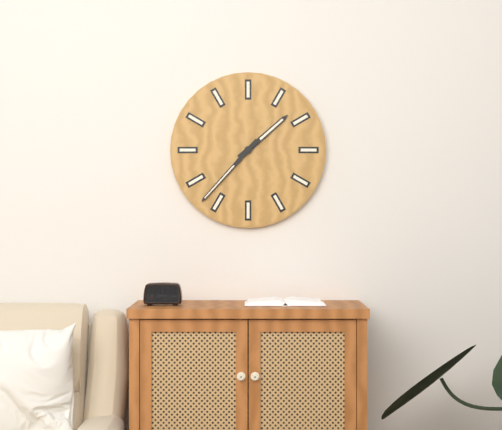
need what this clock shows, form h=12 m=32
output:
h=1 m=37
